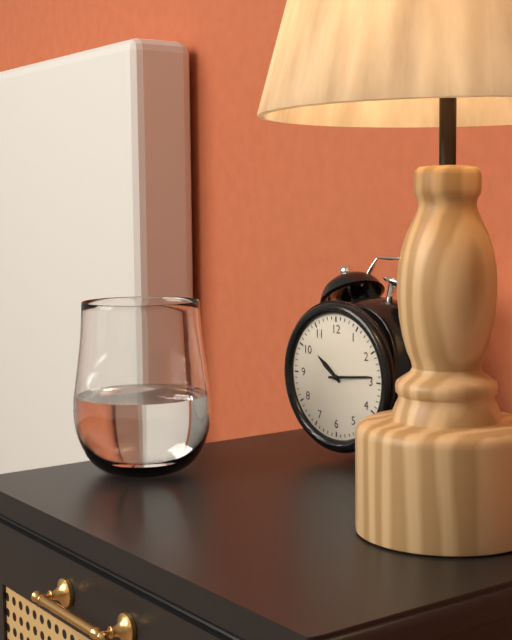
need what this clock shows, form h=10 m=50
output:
h=10 m=14
